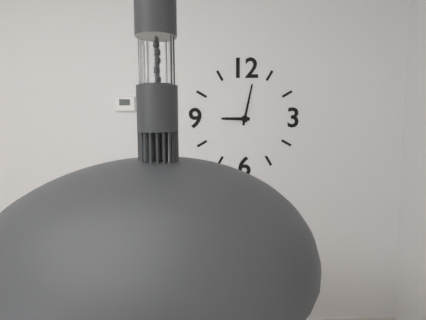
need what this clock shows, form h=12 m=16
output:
h=9 m=2
